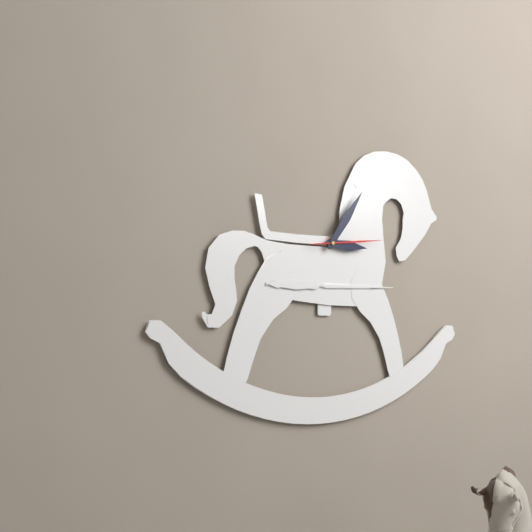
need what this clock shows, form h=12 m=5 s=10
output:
h=3 m=6 s=14
